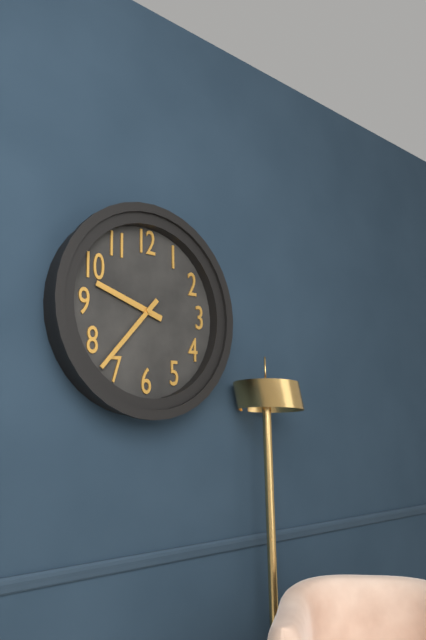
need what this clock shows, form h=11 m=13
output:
h=9 m=37
